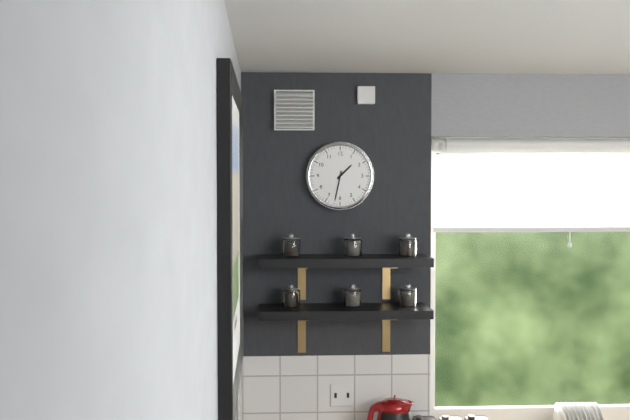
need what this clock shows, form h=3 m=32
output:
h=1 m=32
